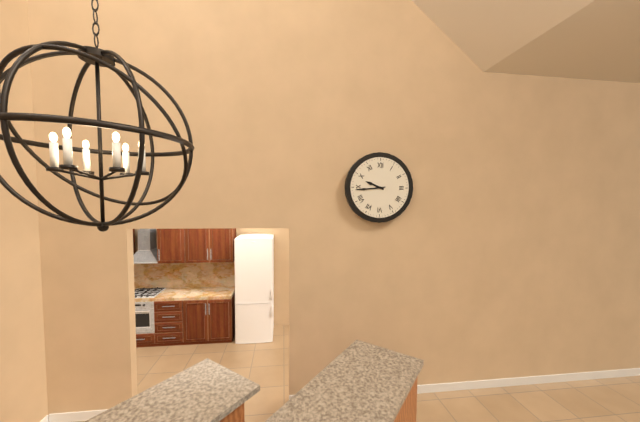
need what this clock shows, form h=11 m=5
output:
h=9 m=44
